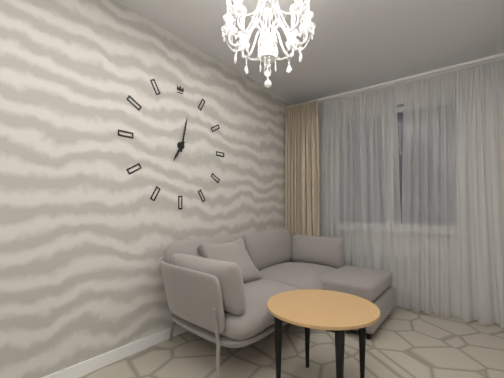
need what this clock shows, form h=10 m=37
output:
h=7 m=2
